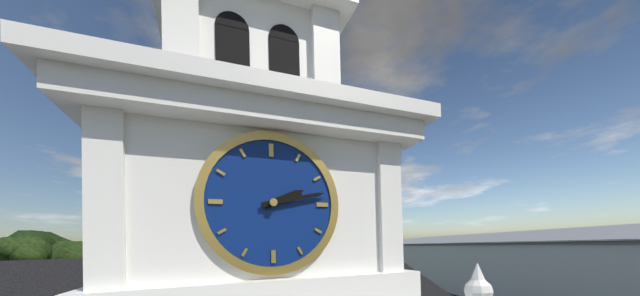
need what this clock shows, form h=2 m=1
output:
h=2 m=13
